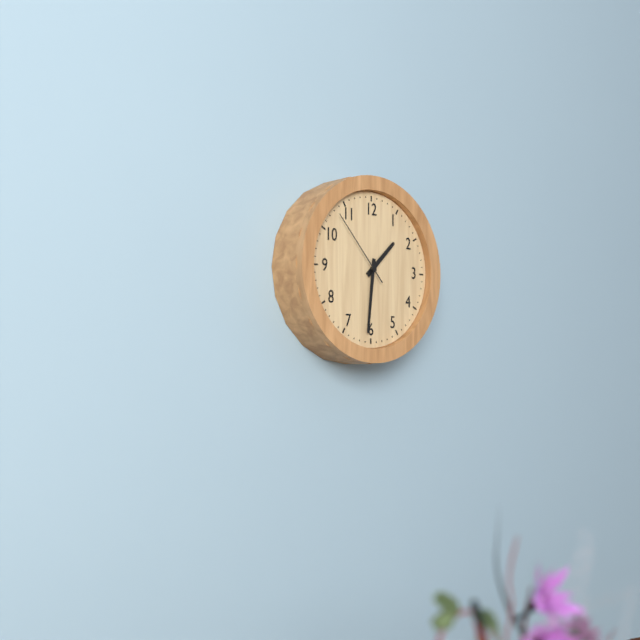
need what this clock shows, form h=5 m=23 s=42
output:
h=1 m=31 s=53
